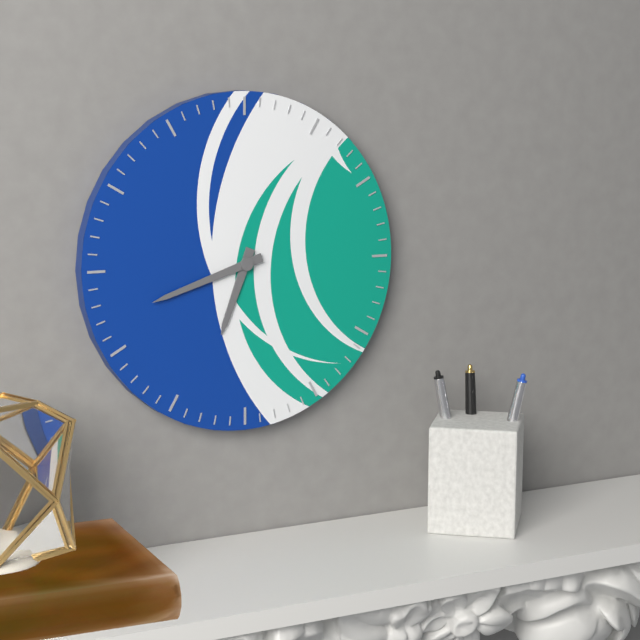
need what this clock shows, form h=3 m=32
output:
h=6 m=42
